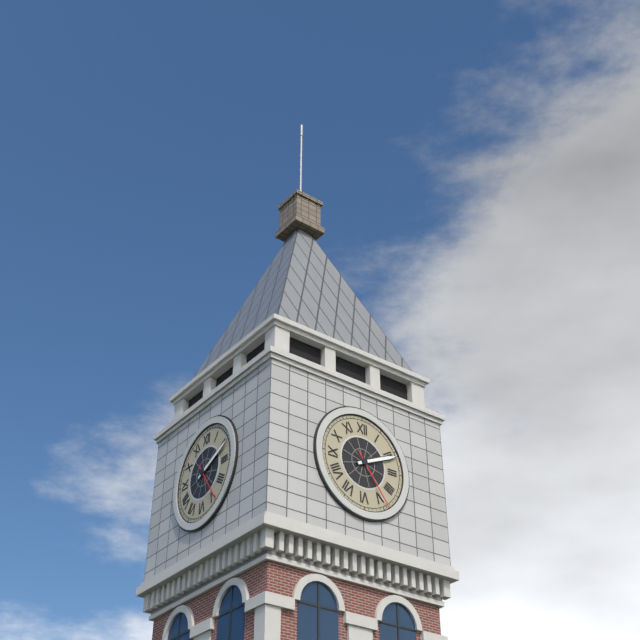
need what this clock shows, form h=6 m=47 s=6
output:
h=2 m=11 s=24
